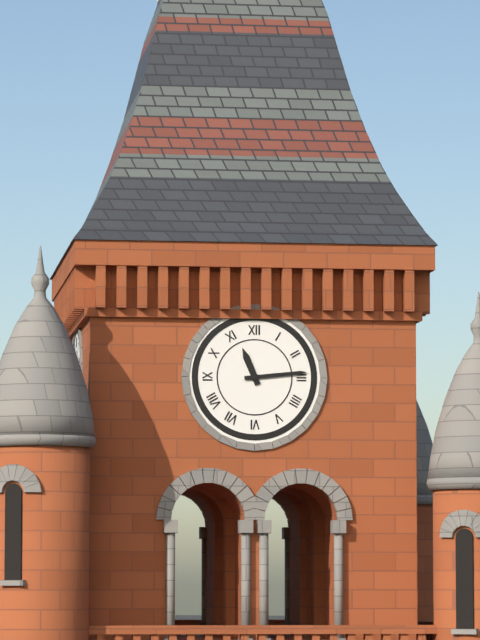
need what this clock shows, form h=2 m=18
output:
h=11 m=14
